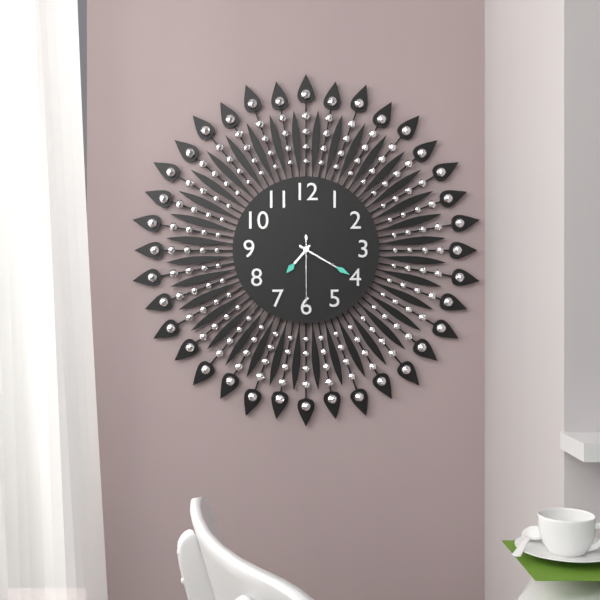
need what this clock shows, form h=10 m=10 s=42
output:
h=7 m=20 s=30
